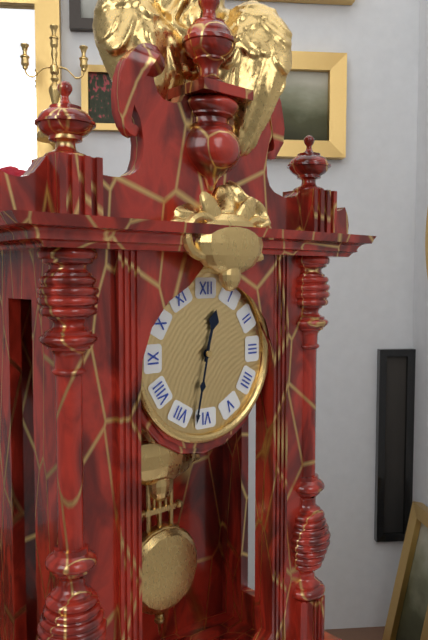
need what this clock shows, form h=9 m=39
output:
h=12 m=32
